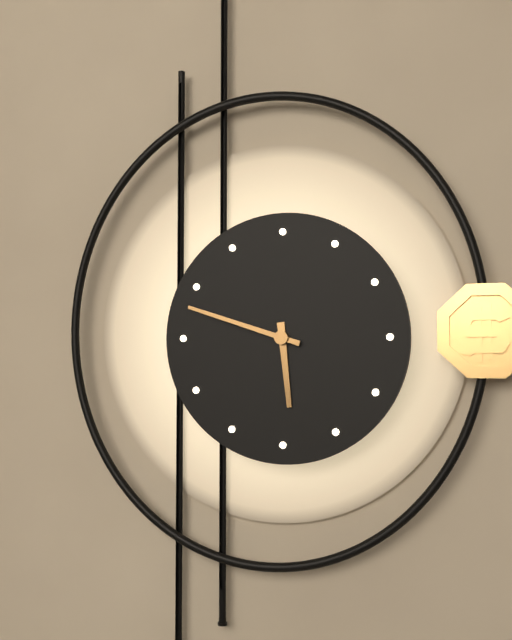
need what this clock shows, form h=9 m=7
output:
h=5 m=48
